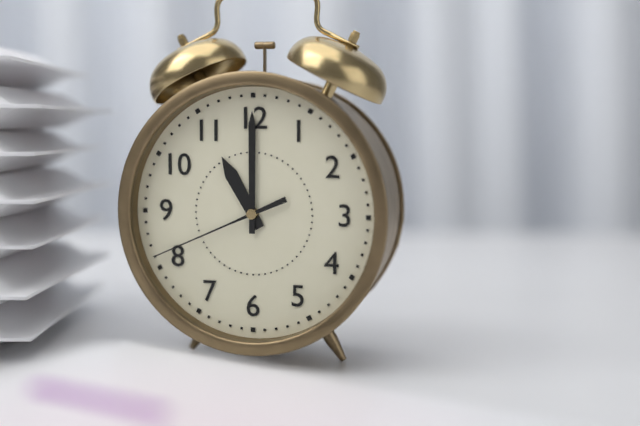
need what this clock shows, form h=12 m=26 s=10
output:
h=11 m=0 s=41
